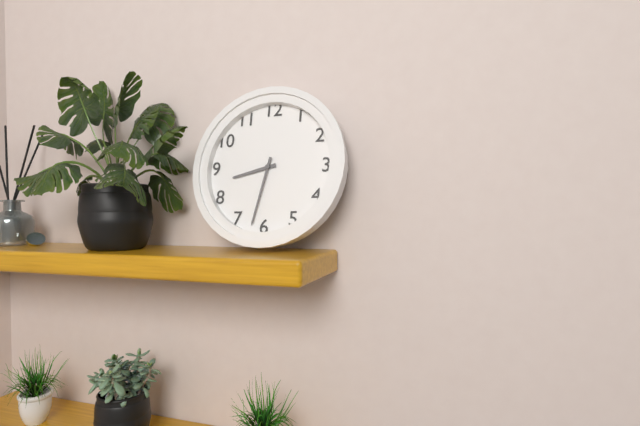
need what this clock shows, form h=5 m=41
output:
h=8 m=32
